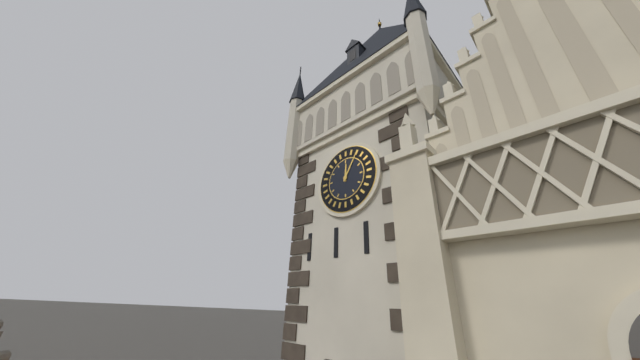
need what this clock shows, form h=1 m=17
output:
h=12 m=5
